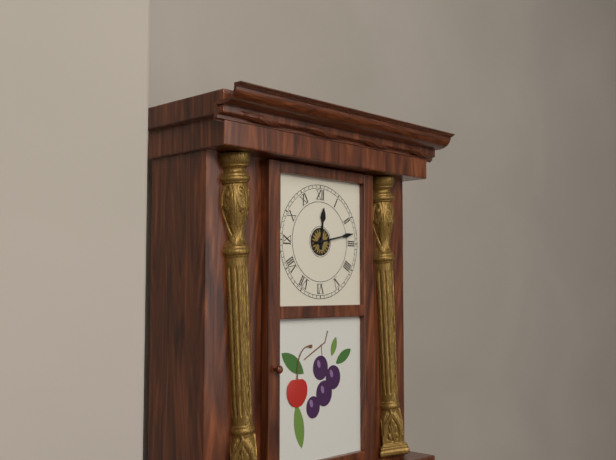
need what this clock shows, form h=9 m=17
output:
h=12 m=13
